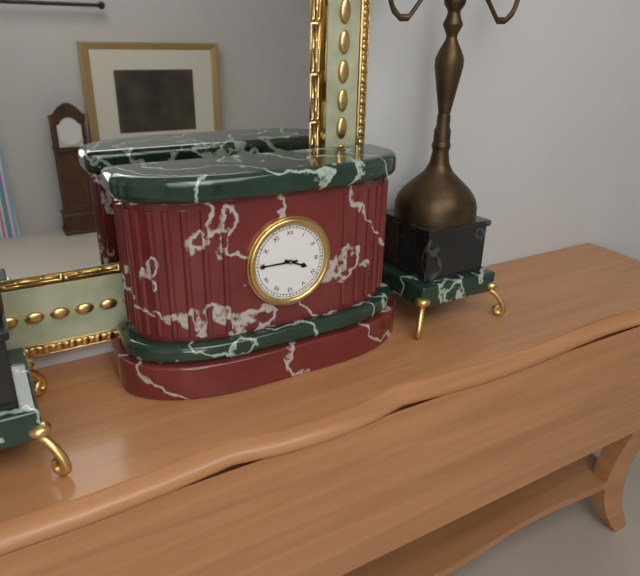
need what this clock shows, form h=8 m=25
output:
h=3 m=45
